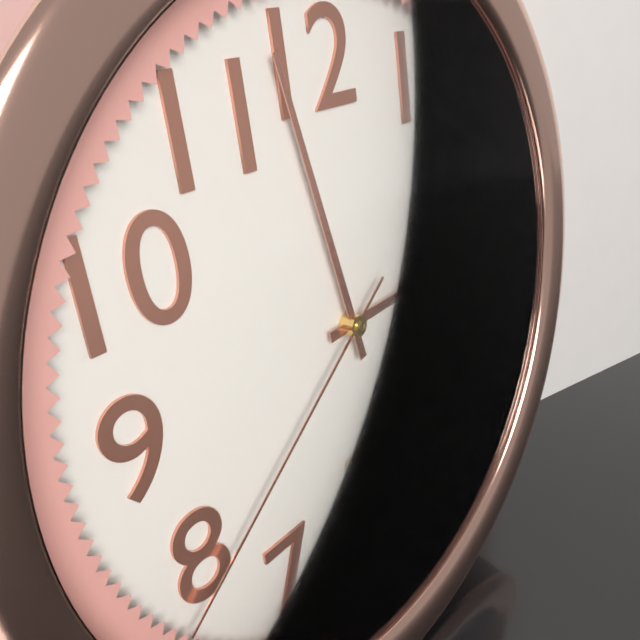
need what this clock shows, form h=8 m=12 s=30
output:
h=2 m=58 s=39
